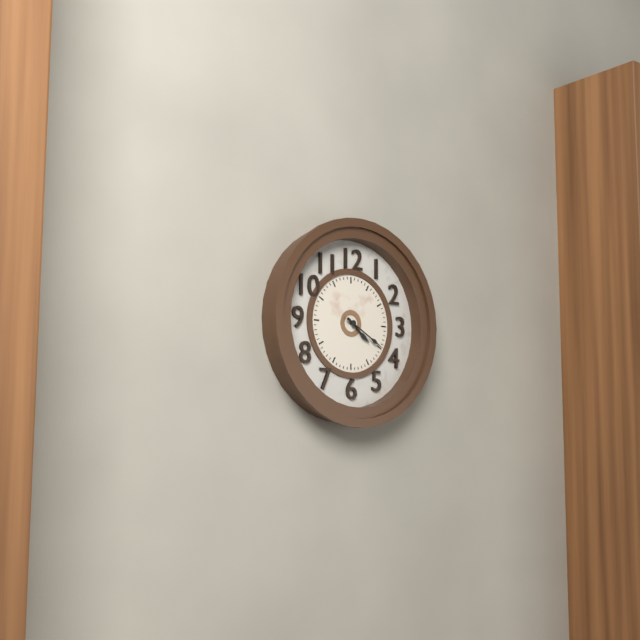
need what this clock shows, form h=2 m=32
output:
h=4 m=20
